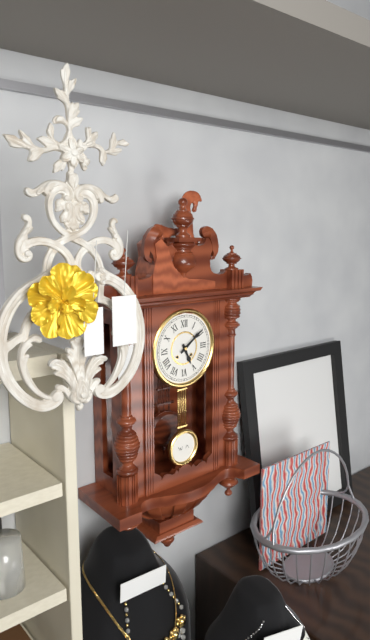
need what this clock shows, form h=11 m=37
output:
h=5 m=9
